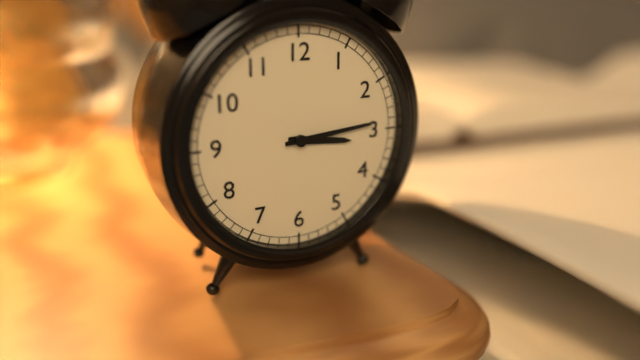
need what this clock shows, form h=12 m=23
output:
h=3 m=14
